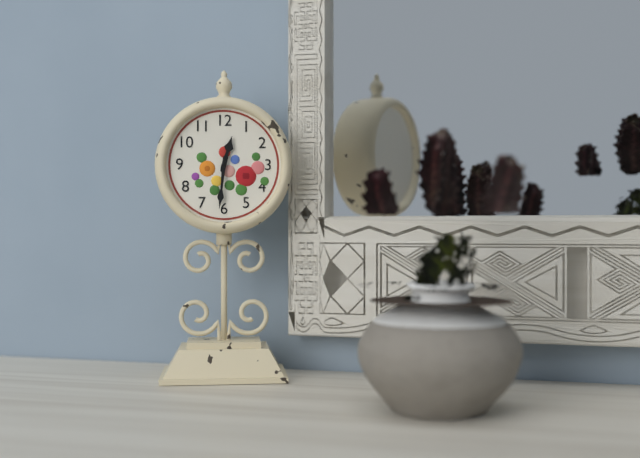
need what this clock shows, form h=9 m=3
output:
h=12 m=31
